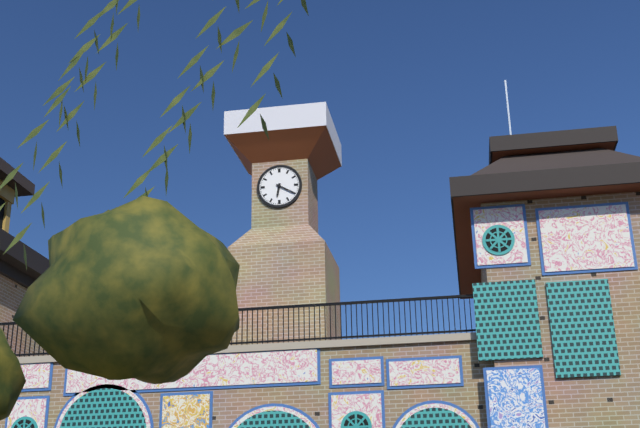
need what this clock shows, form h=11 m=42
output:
h=6 m=20
